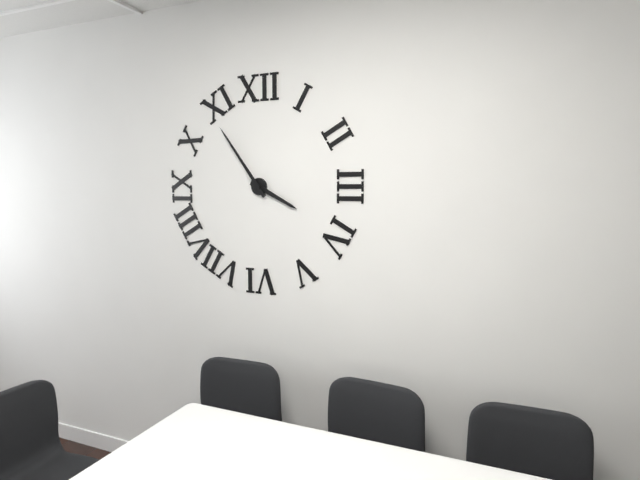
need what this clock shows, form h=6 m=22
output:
h=3 m=54
